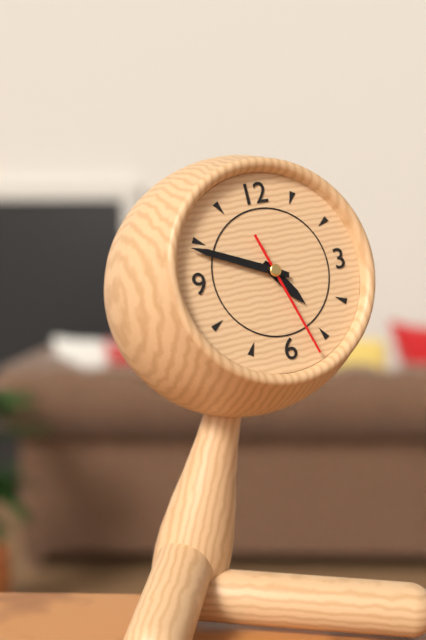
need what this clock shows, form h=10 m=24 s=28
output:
h=4 m=49 s=27
